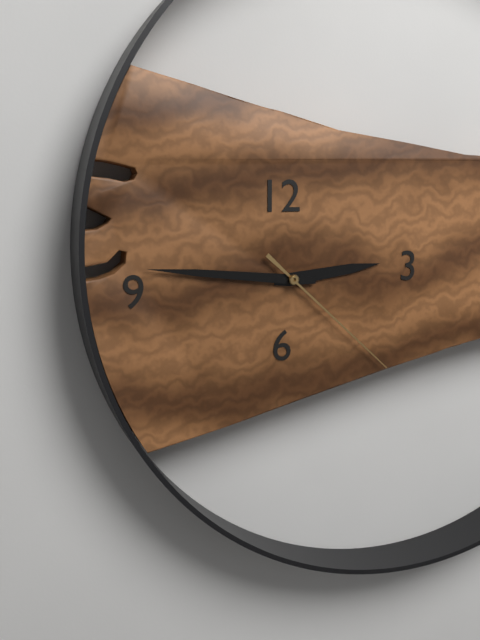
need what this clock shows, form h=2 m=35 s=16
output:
h=2 m=46 s=22
